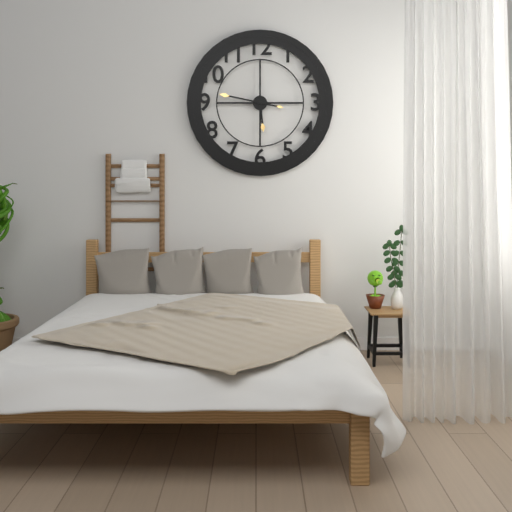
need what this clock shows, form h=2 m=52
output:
h=5 m=47
